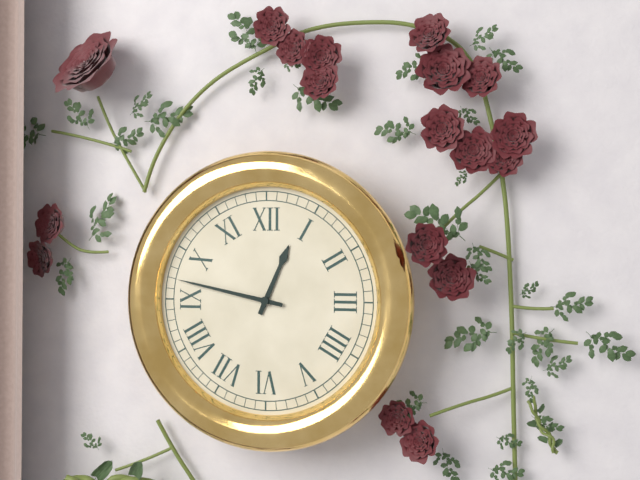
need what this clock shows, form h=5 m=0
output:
h=12 m=47
